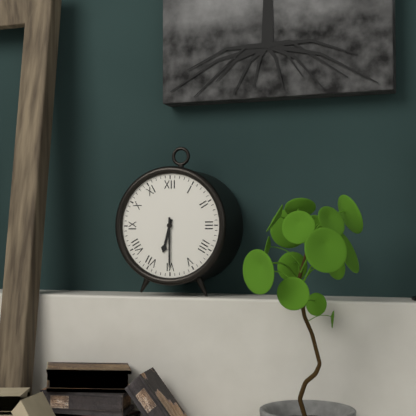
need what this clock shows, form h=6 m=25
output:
h=6 m=30
